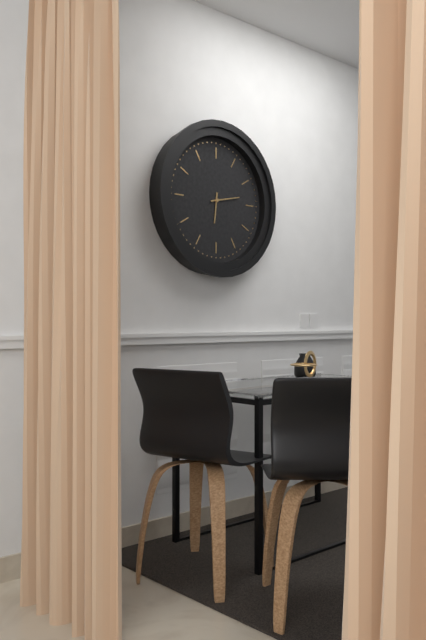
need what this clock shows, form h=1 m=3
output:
h=6 m=13
